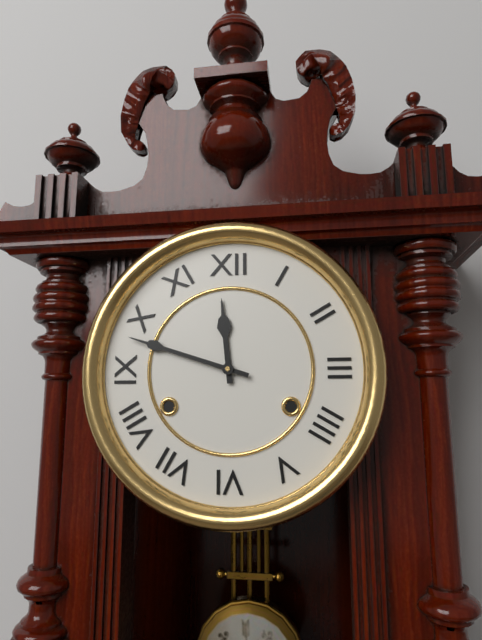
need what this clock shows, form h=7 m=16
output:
h=11 m=48
